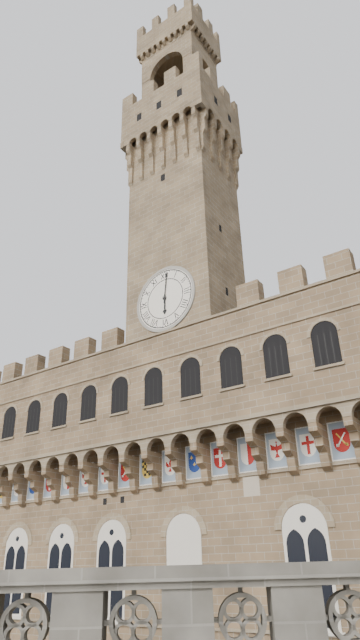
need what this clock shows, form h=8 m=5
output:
h=6 m=1
